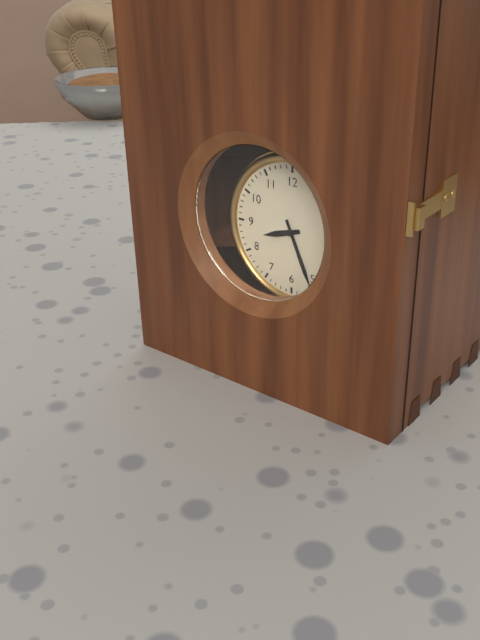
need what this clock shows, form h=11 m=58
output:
h=8 m=26
